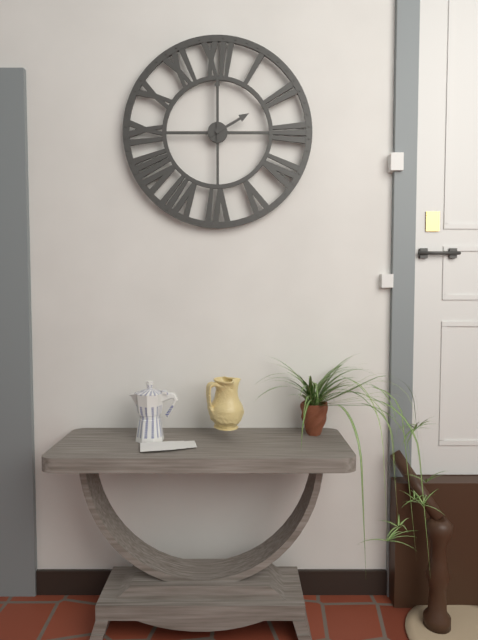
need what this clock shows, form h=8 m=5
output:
h=2 m=0
